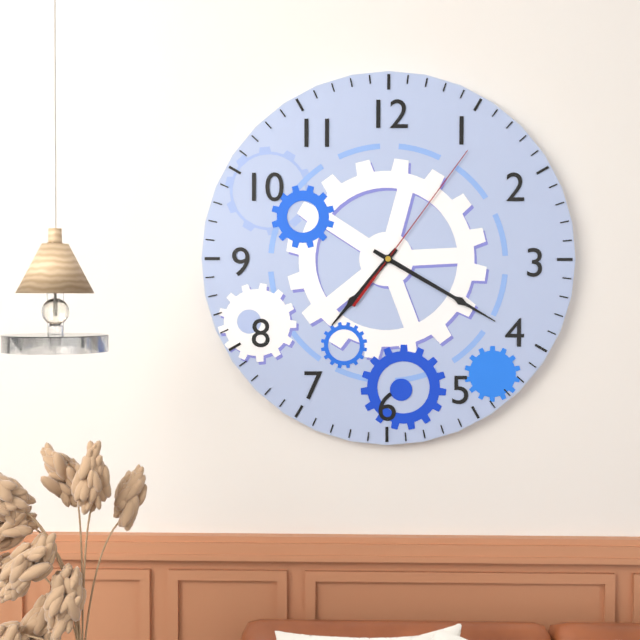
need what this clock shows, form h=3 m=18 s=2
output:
h=7 m=20 s=6
